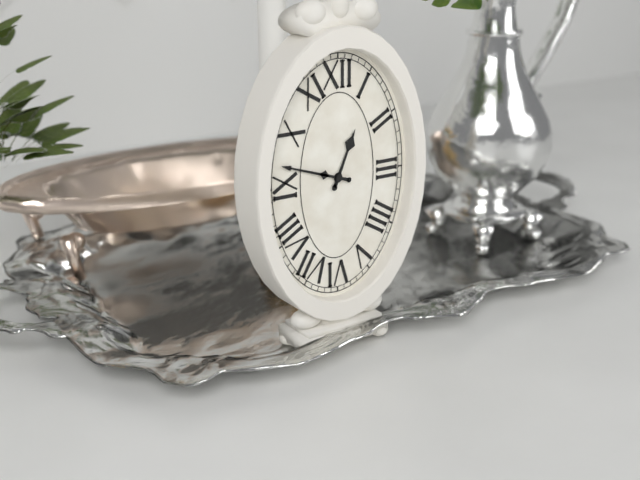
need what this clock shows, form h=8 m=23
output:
h=12 m=48
